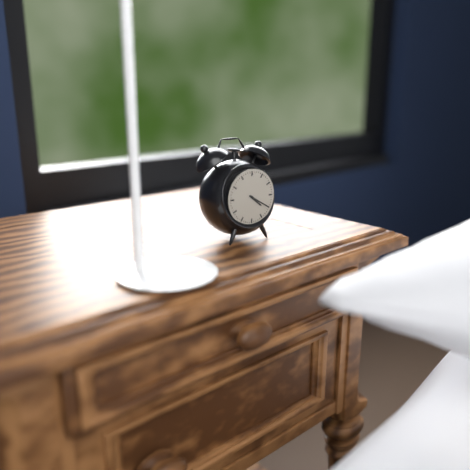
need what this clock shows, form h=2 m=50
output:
h=4 m=20
